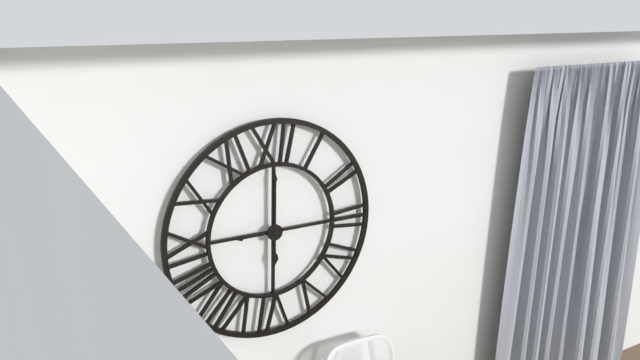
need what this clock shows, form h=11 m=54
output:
h=9 m=0
